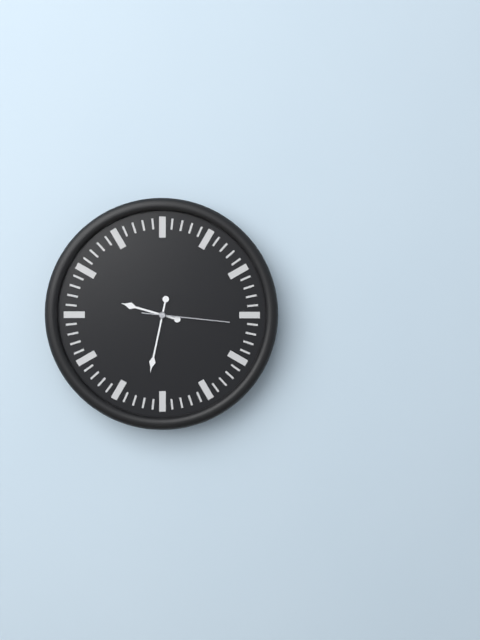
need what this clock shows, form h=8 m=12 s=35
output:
h=9 m=32 s=16
